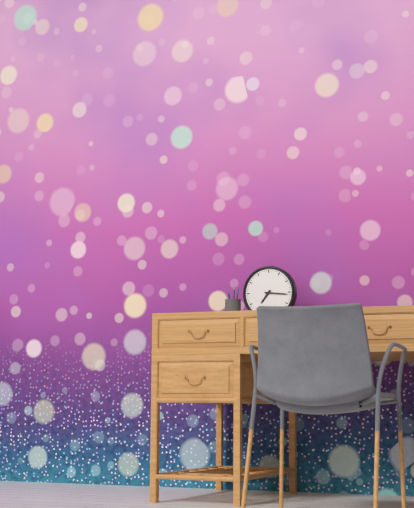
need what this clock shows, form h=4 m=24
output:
h=7 m=16
